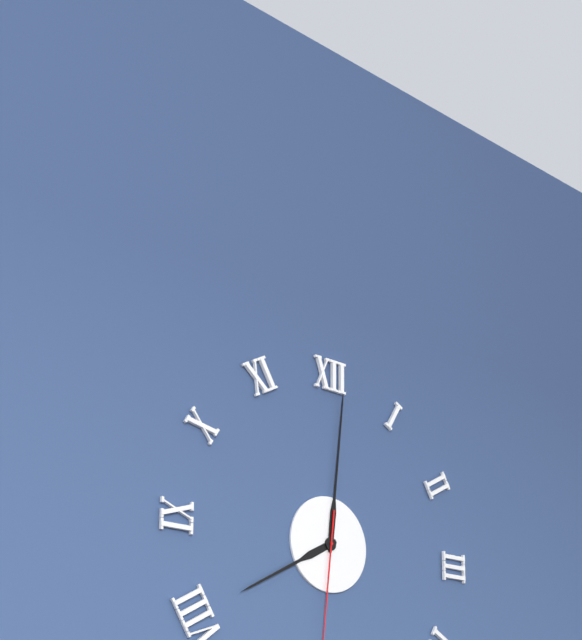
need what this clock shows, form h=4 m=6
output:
h=8 m=1
